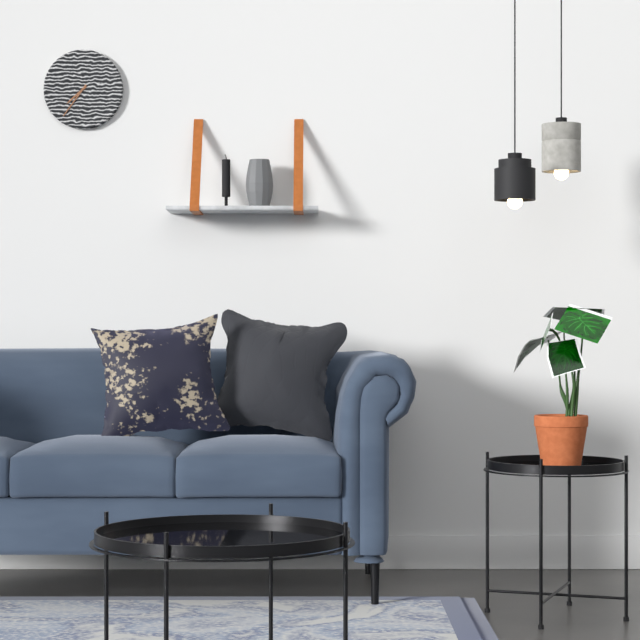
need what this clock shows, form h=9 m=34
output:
h=7 m=36
